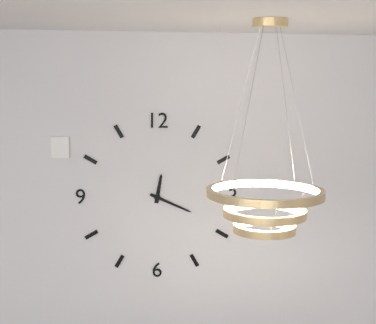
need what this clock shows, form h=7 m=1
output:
h=12 m=19
